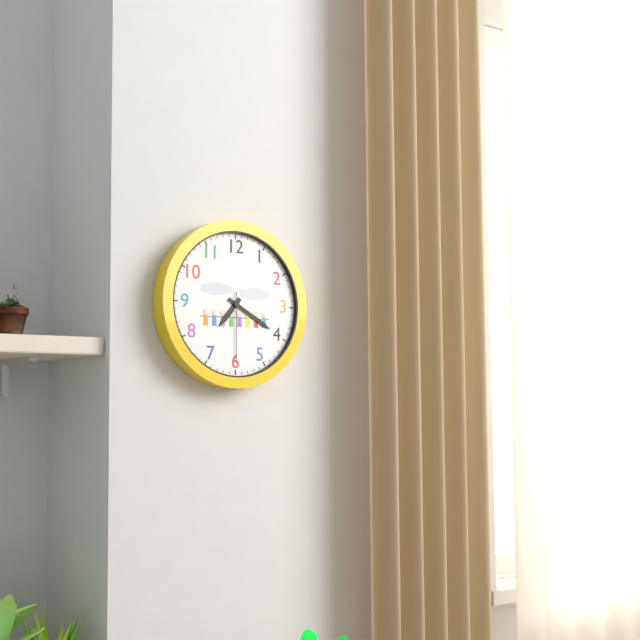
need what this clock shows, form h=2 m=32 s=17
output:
h=7 m=20 s=30
